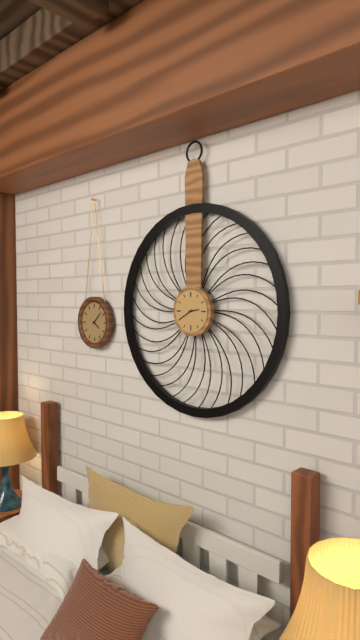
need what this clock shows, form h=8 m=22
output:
h=2 m=40
